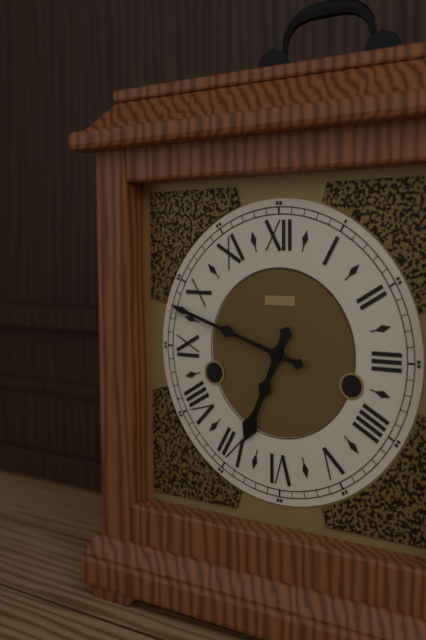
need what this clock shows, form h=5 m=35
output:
h=6 m=48
